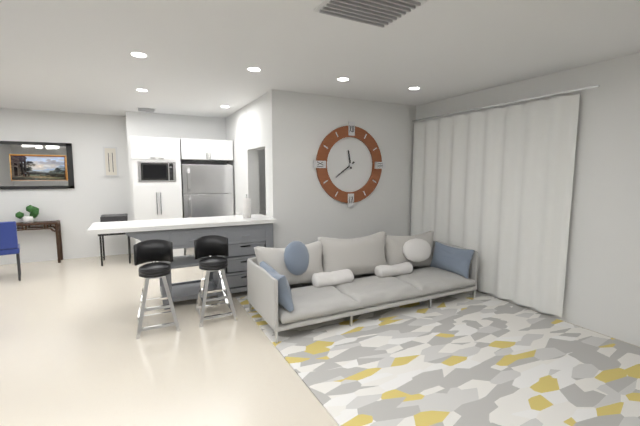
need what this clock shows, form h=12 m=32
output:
h=11 m=39
